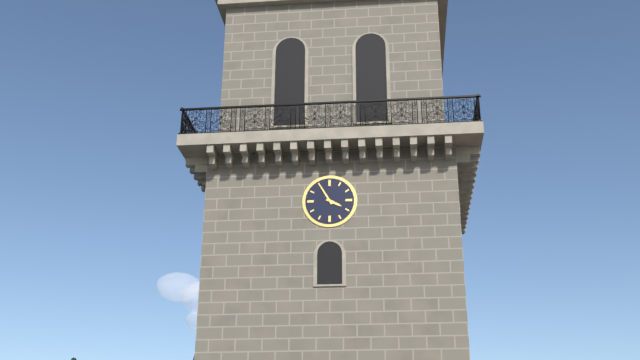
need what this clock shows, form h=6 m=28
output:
h=3 m=55
